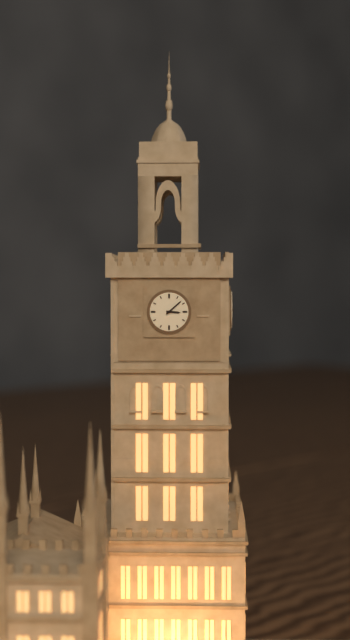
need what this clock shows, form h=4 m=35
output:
h=3 m=8
